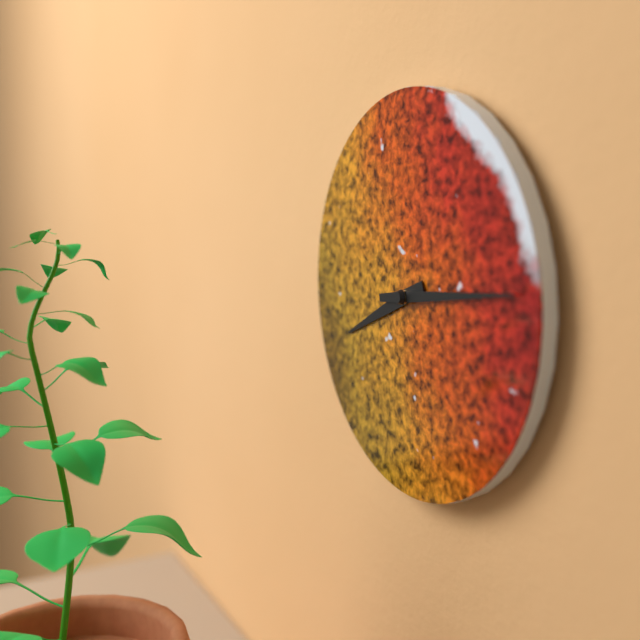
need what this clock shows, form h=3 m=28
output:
h=8 m=14
